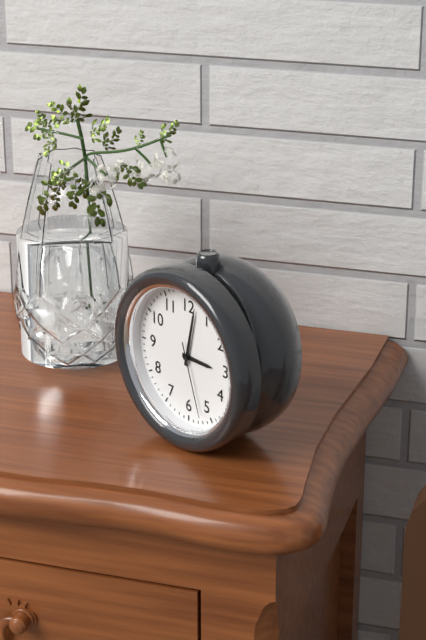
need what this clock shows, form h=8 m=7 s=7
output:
h=3 m=2 s=27
